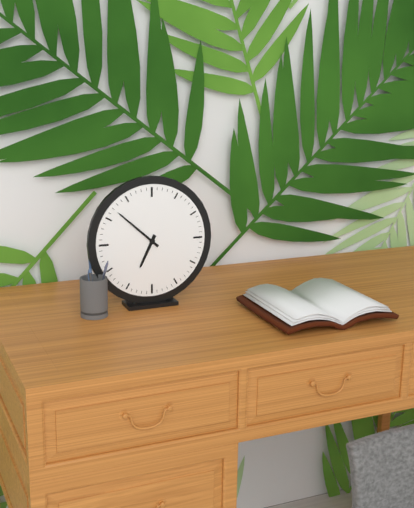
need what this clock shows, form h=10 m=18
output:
h=6 m=52
